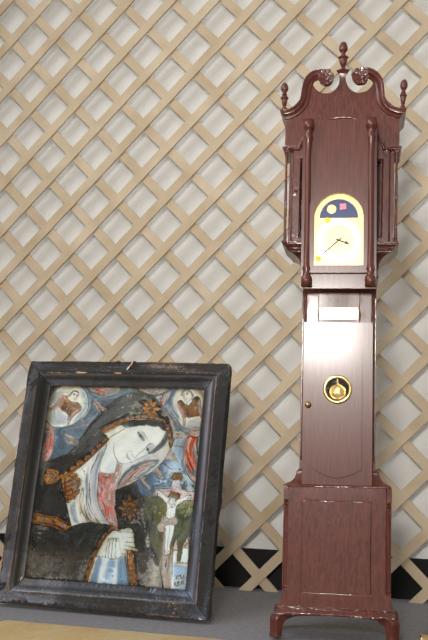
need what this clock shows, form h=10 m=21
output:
h=3 m=38
